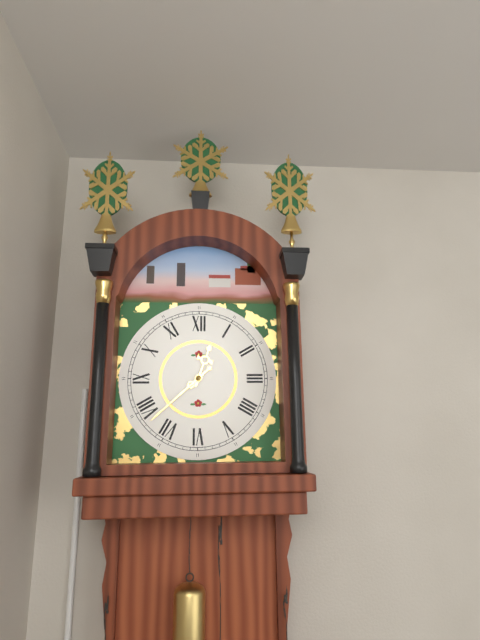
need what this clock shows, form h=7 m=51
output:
h=12 m=38
